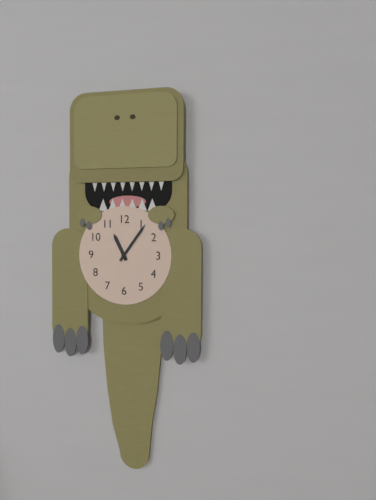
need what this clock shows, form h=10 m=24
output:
h=11 m=6
